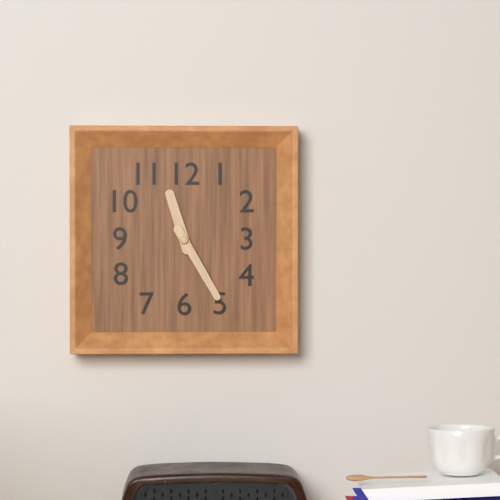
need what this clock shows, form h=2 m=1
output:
h=11 m=25
